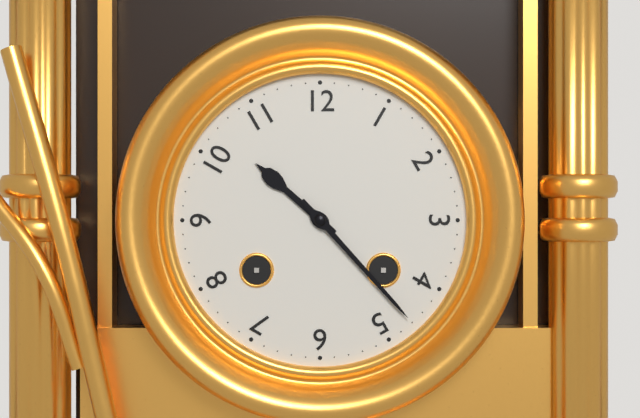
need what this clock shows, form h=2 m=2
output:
h=10 m=23
